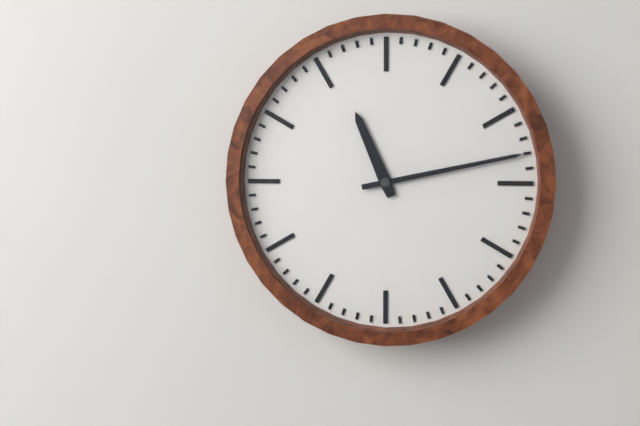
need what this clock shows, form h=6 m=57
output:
h=11 m=13
